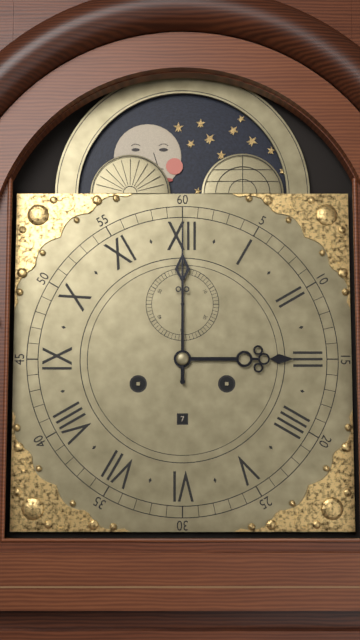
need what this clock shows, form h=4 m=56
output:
h=3 m=0
